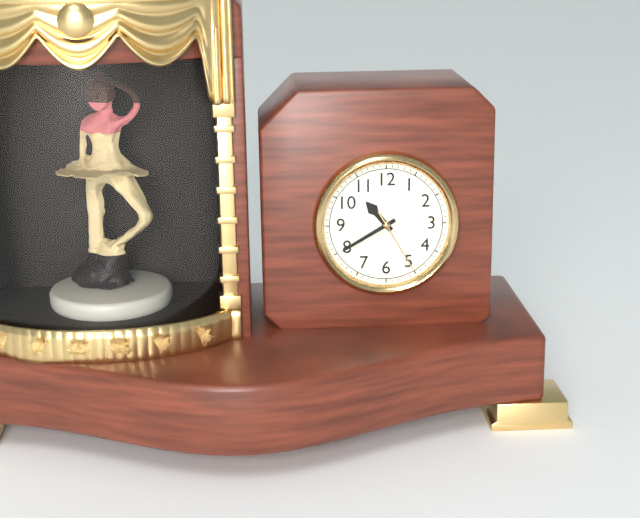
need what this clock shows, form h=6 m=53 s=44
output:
h=10 m=40 s=25
